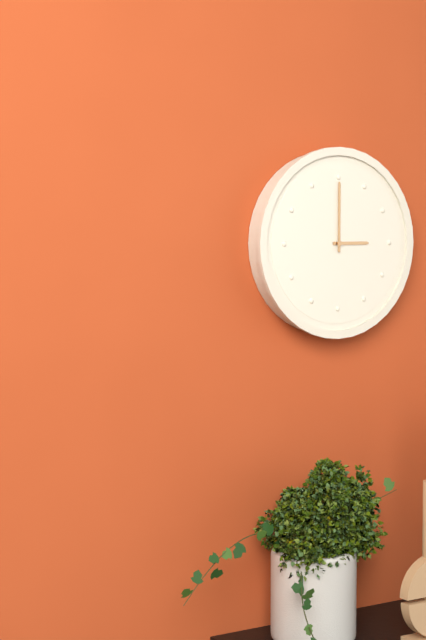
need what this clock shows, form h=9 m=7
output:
h=3 m=0
